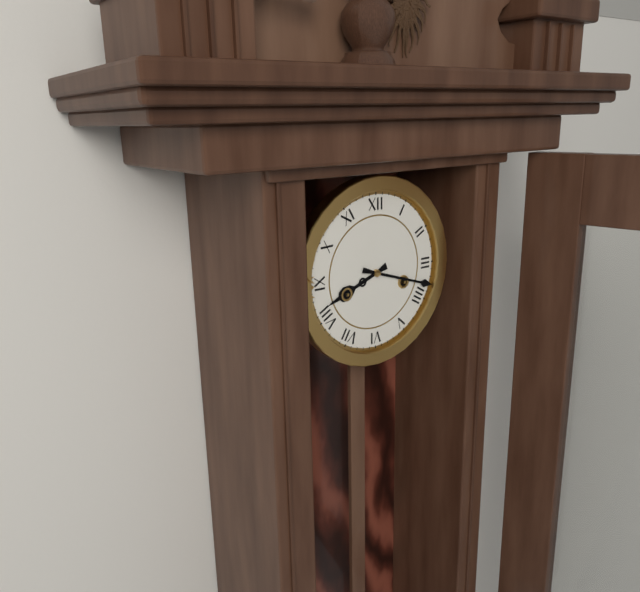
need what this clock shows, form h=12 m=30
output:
h=8 m=18
